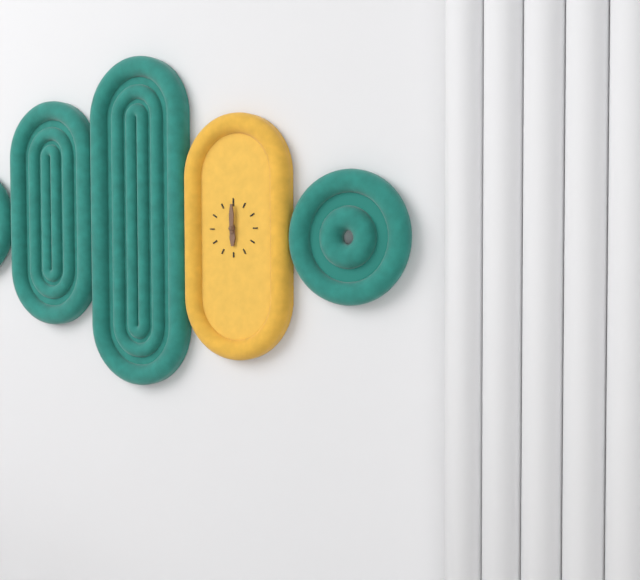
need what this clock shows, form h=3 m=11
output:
h=6 m=0
